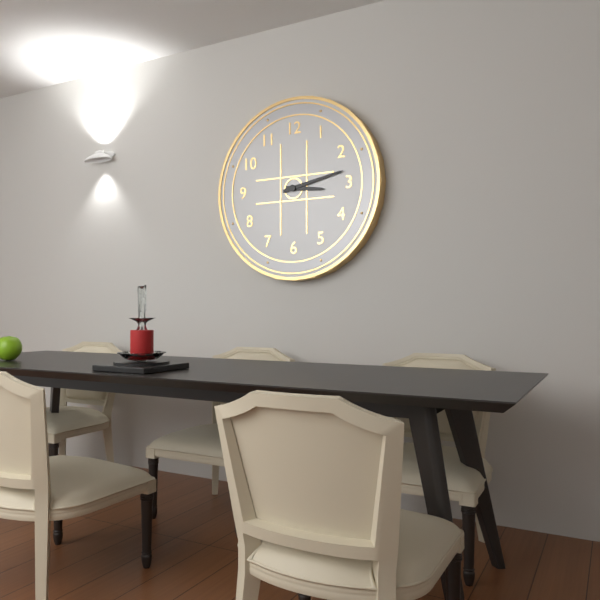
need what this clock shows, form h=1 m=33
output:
h=3 m=13
